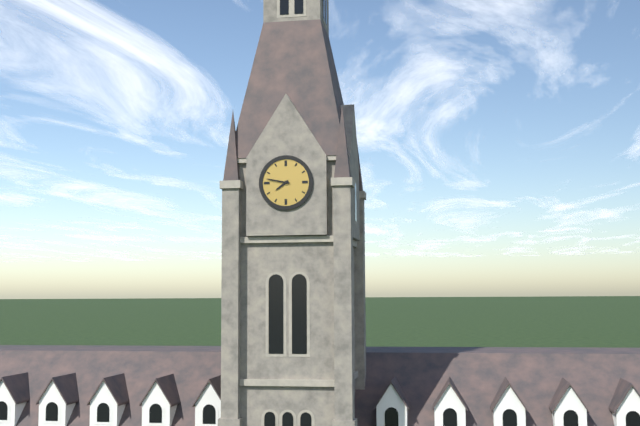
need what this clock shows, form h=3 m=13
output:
h=7 m=47
